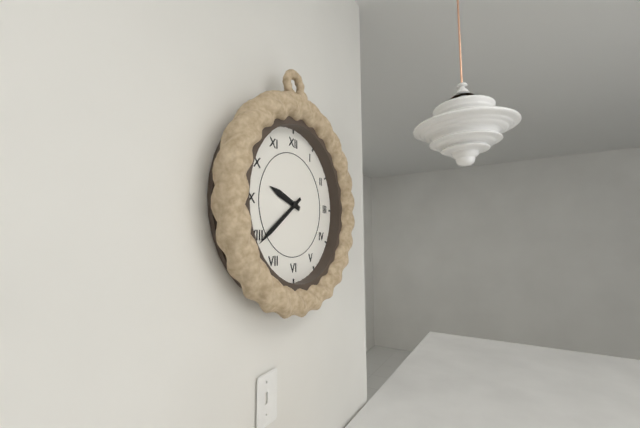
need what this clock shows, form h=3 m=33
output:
h=9 m=39
